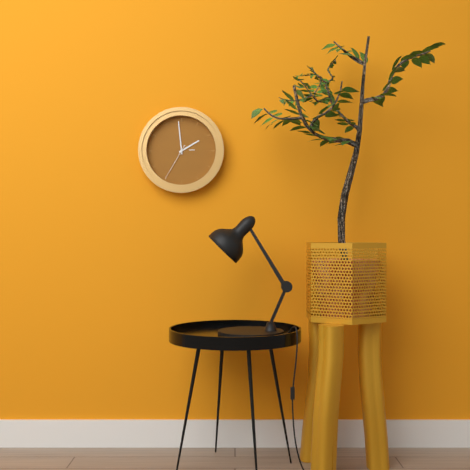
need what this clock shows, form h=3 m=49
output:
h=1 m=59
